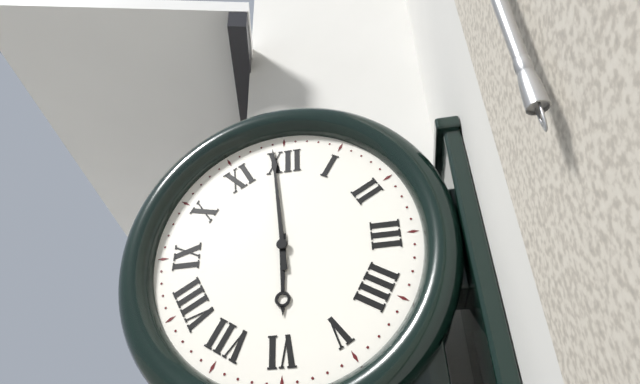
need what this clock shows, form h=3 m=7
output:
h=5 m=59
